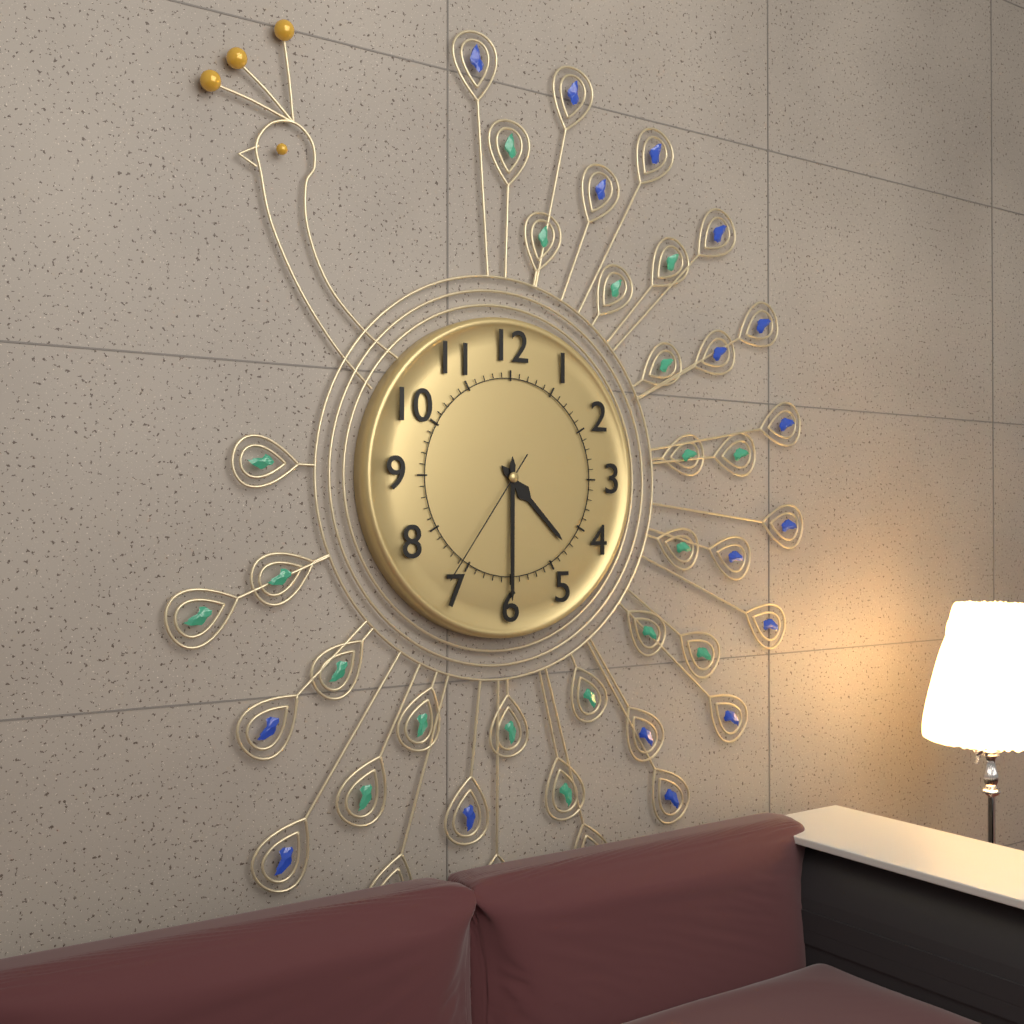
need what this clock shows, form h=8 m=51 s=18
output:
h=4 m=30 s=36
